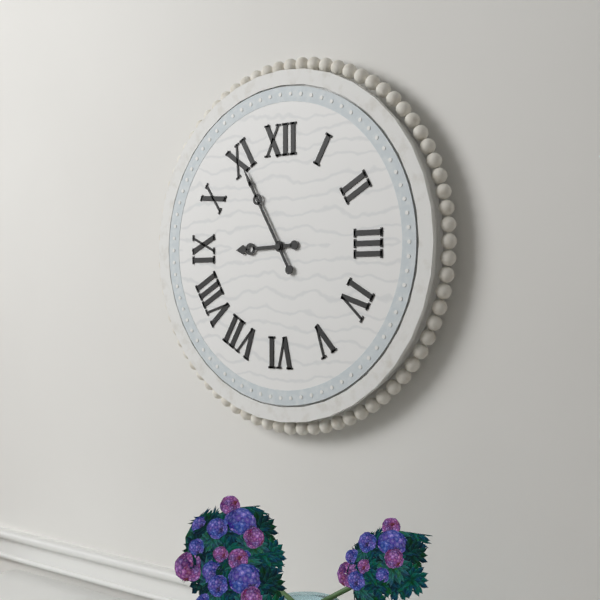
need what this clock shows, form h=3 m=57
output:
h=8 m=55
